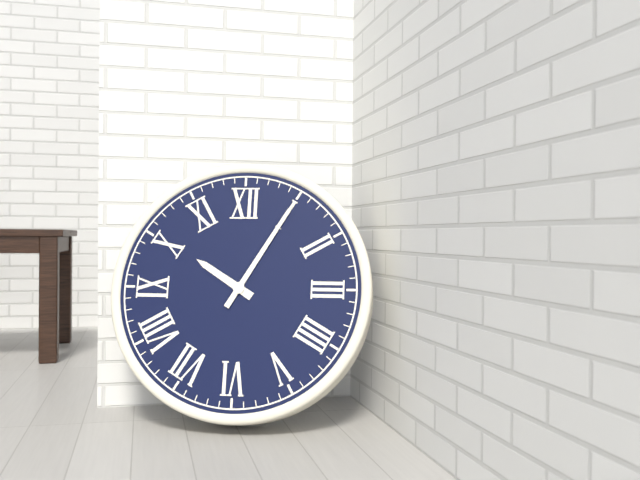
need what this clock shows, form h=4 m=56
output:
h=10 m=5
